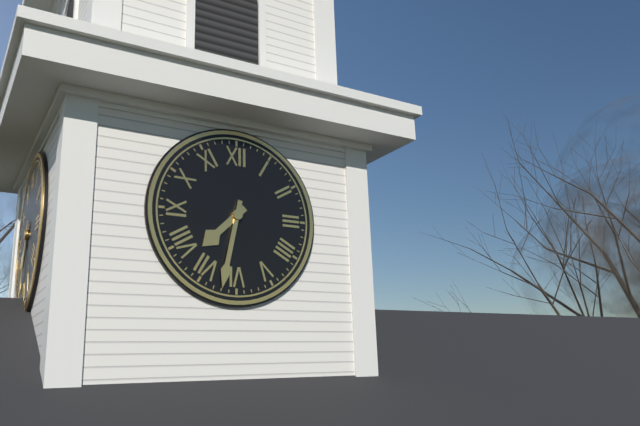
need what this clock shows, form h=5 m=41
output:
h=7 m=32
